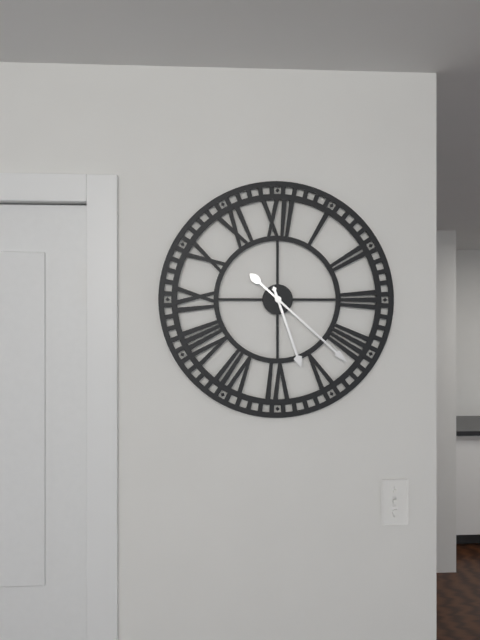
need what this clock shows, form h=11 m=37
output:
h=5 m=22
